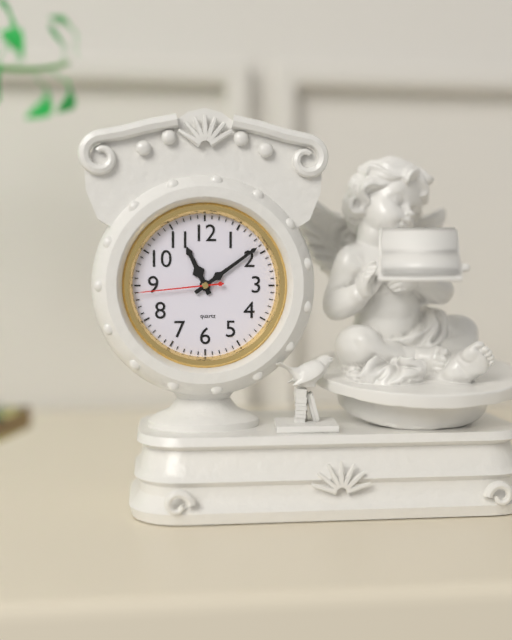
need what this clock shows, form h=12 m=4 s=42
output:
h=11 m=9 s=44
